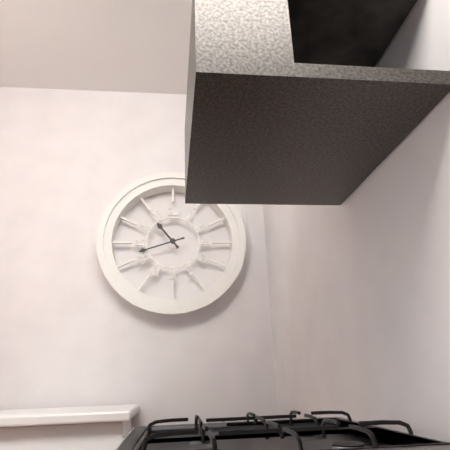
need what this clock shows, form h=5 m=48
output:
h=10 m=42
